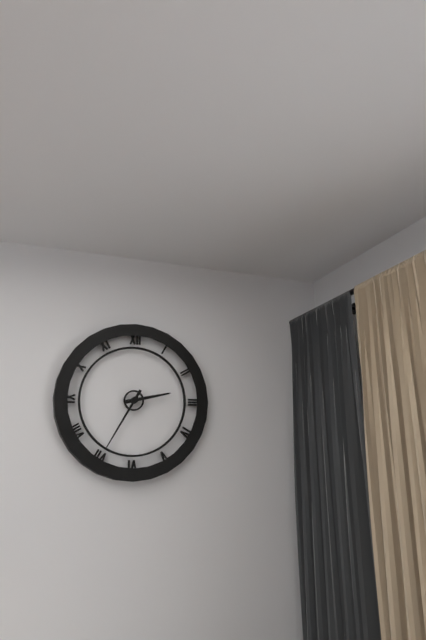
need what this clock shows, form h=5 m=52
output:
h=2 m=35
